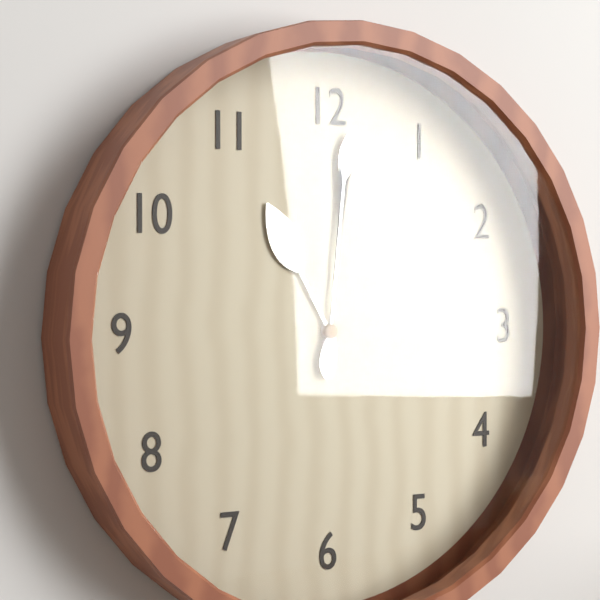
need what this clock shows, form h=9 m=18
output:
h=11 m=1
